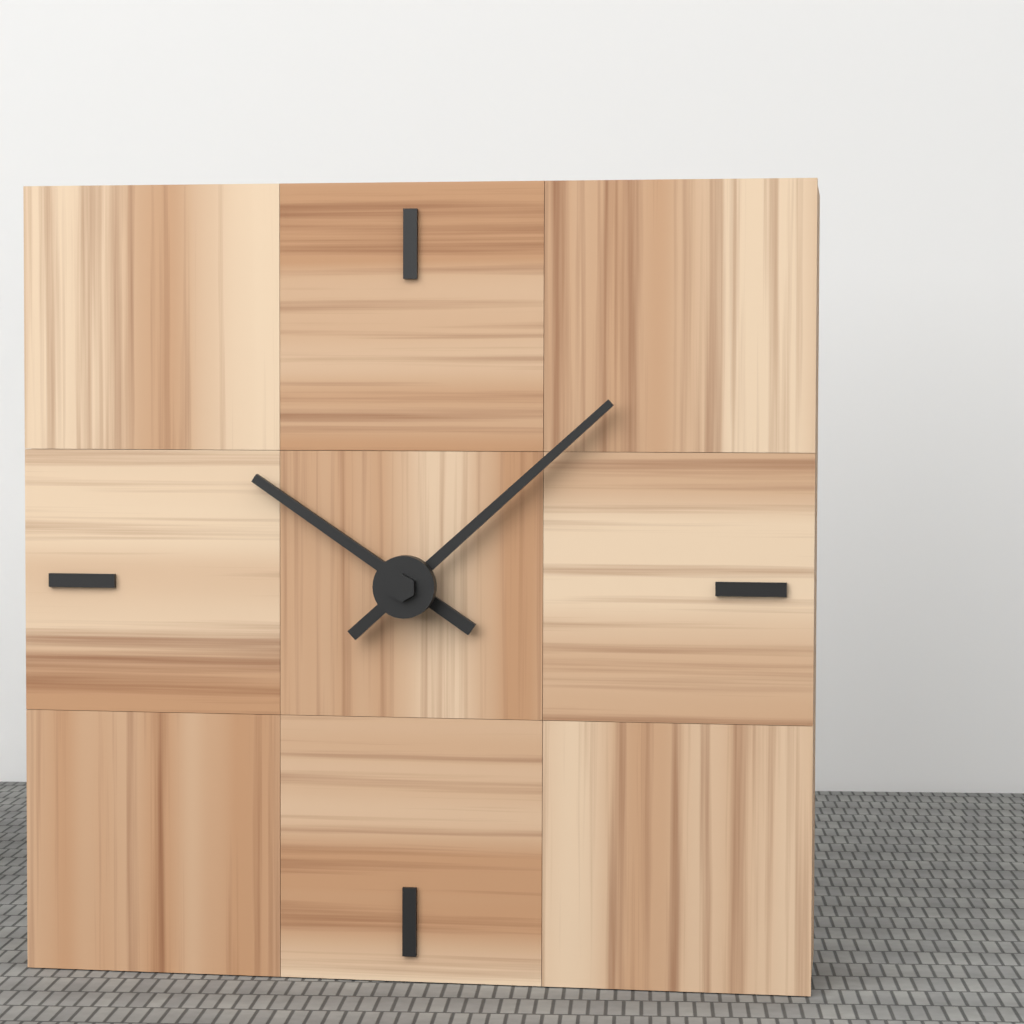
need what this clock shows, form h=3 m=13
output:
h=10 m=8
